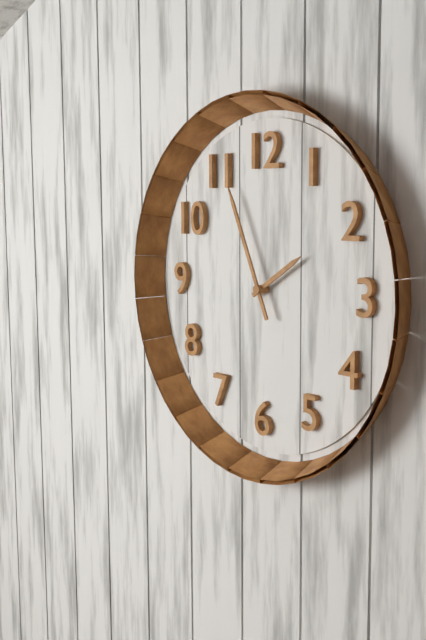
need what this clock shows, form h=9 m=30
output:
h=1 m=56
